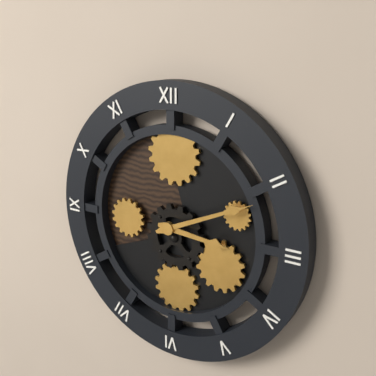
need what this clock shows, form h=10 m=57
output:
h=3 m=11
